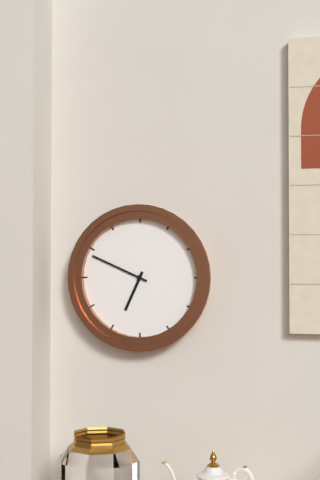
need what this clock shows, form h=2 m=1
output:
h=6 m=49
